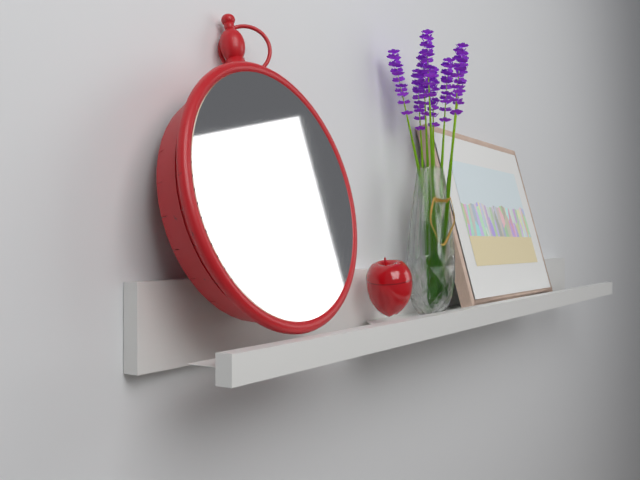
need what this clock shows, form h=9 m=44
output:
h=8 m=11
